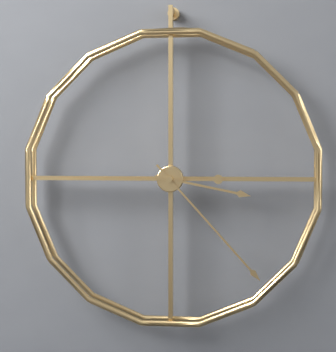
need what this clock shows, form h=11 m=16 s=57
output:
h=3 m=23 s=45
